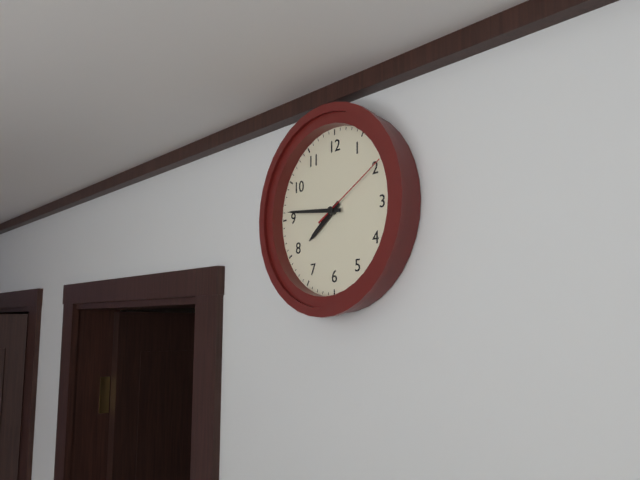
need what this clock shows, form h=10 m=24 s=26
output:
h=7 m=46 s=10
